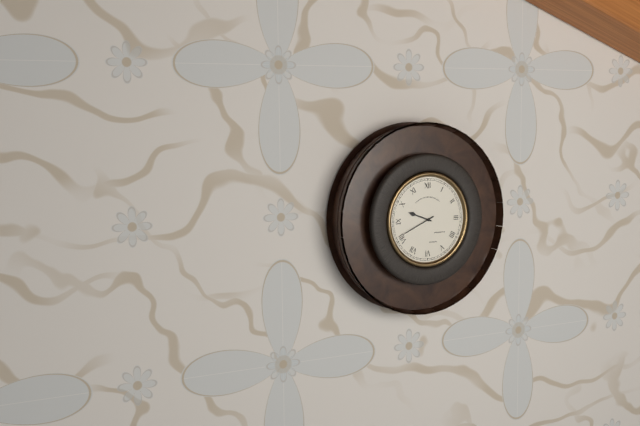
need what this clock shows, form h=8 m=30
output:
h=9 m=41
